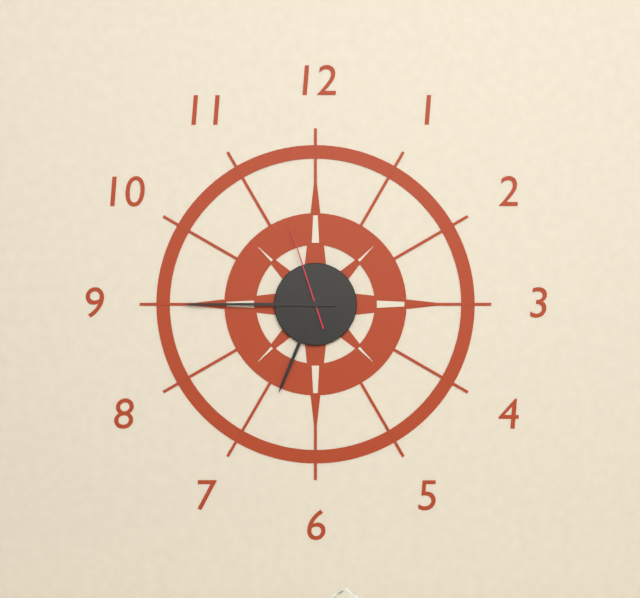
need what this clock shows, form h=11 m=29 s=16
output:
h=6 m=45 s=57
